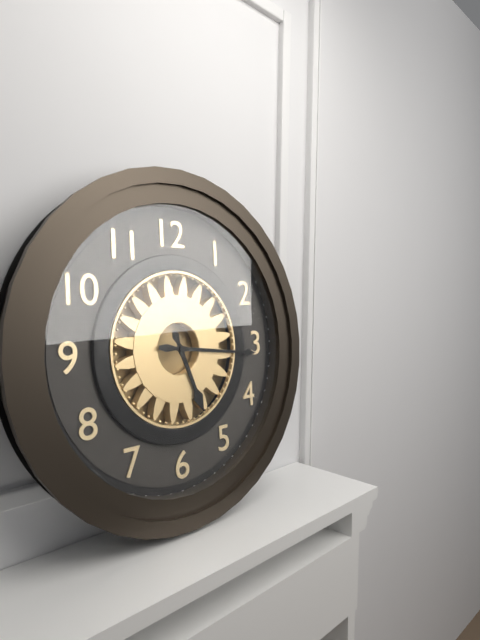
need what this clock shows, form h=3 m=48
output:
h=5 m=16
